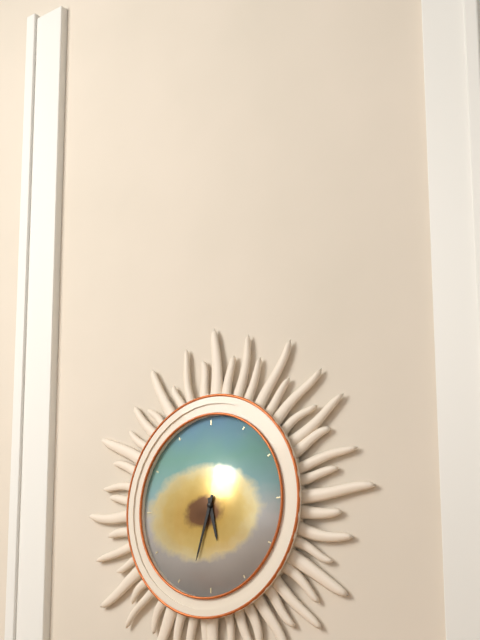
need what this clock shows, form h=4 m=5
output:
h=5 m=33
